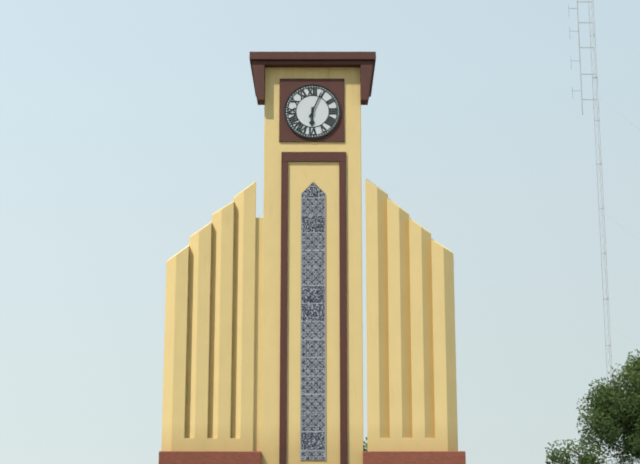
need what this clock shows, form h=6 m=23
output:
h=6 m=4
